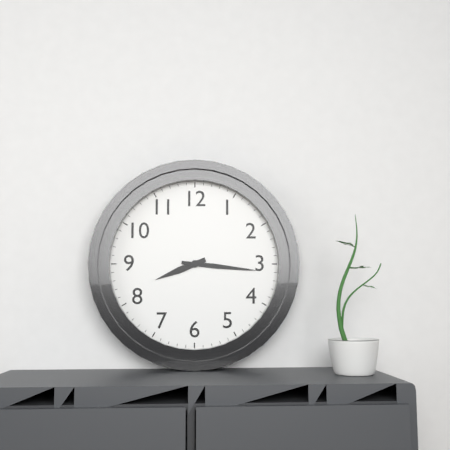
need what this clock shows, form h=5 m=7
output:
h=8 m=16
